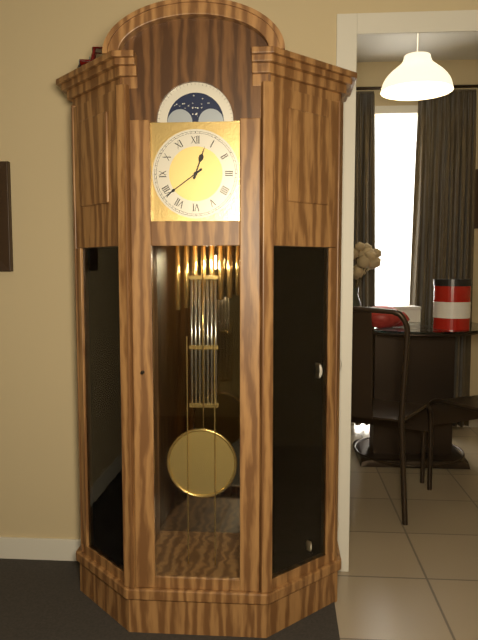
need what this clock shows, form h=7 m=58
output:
h=12 m=39
